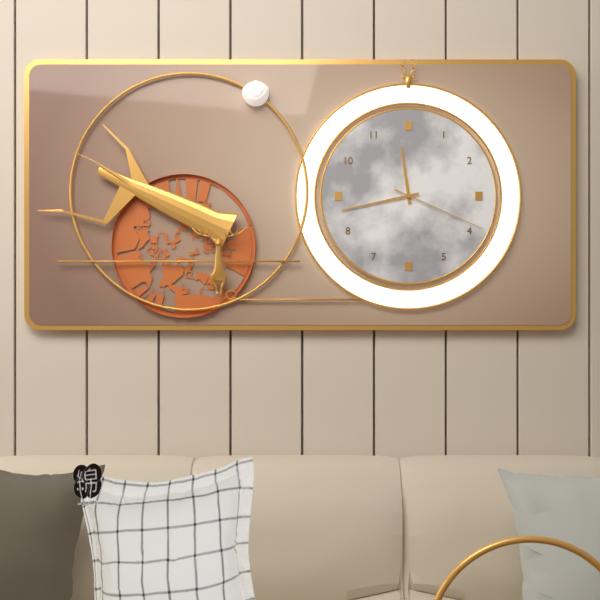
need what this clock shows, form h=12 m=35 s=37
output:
h=11 m=43 s=19
